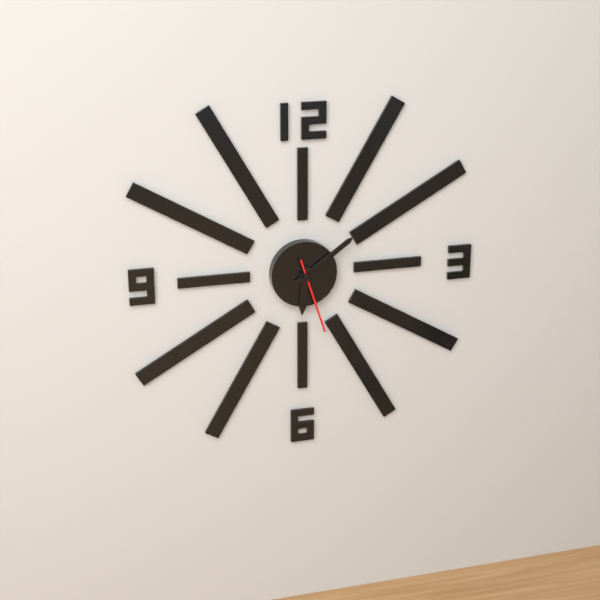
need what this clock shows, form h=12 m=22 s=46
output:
h=6 m=9 s=27
